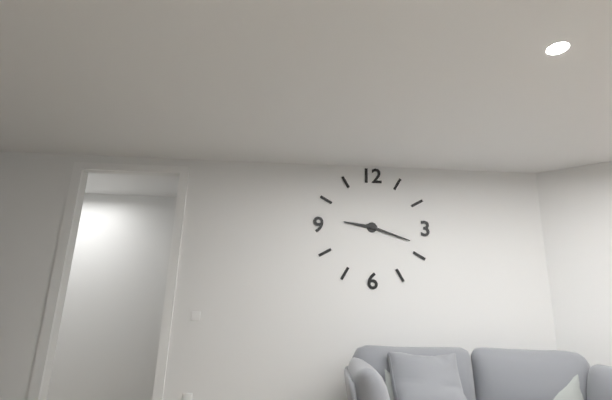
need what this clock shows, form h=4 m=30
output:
h=9 m=18
